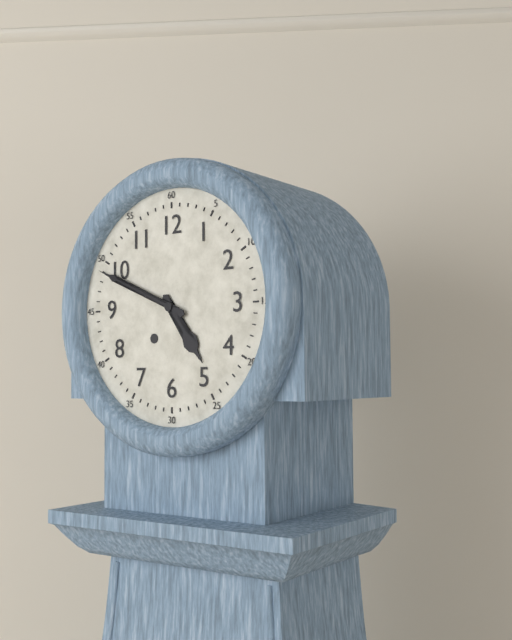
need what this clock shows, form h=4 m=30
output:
h=4 m=49
